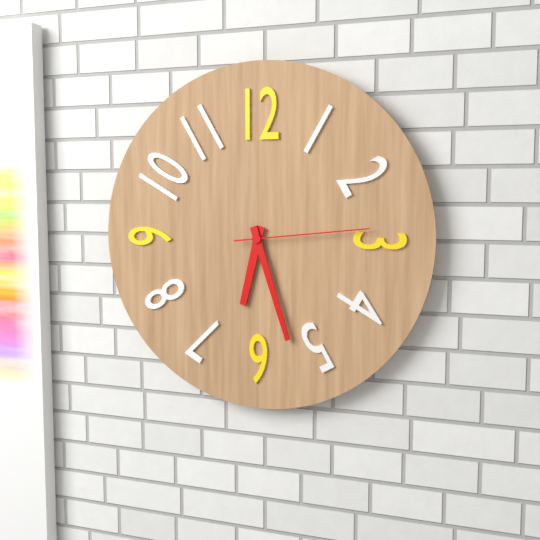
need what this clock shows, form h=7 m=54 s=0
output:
h=6 m=27 s=14
